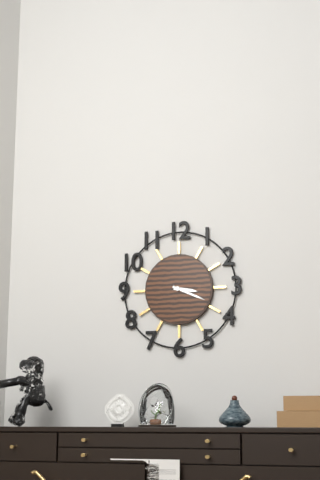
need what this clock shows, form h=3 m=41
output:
h=3 m=19
